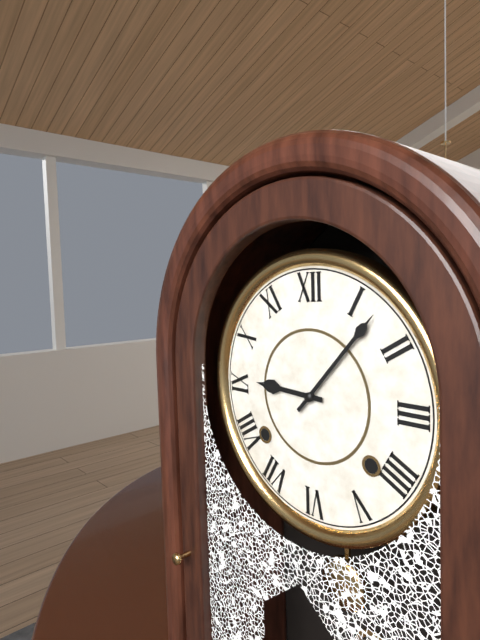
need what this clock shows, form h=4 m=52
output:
h=9 m=7
